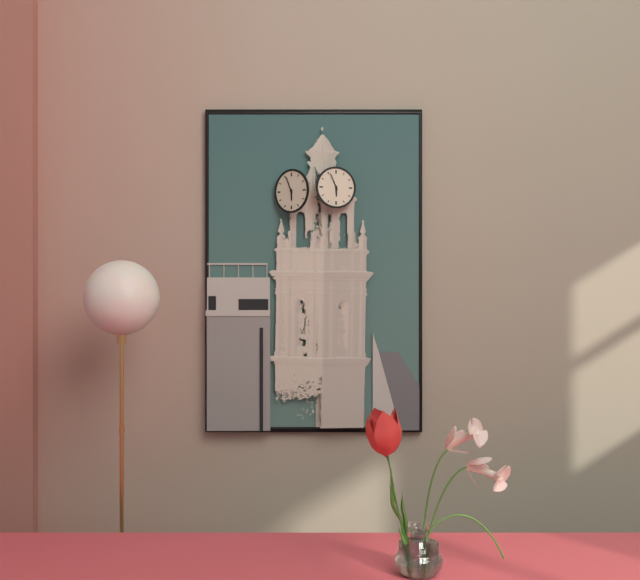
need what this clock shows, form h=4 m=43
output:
h=5 m=56
